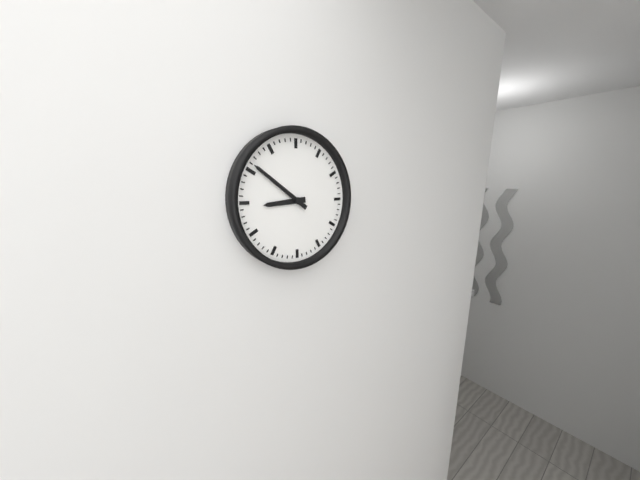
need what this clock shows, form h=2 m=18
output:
h=8 m=51
